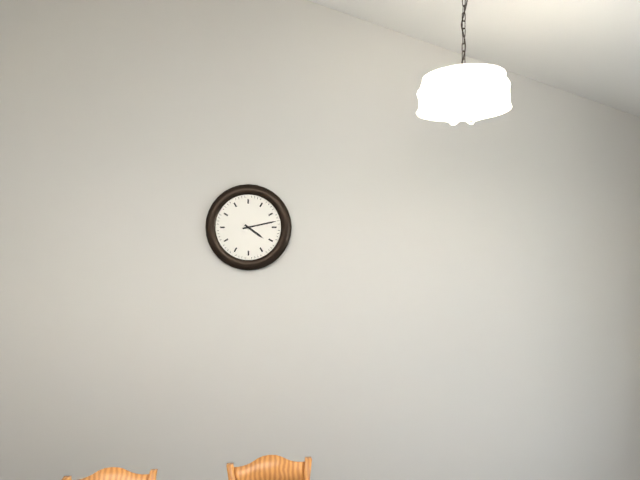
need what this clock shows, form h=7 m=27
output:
h=4 m=13
